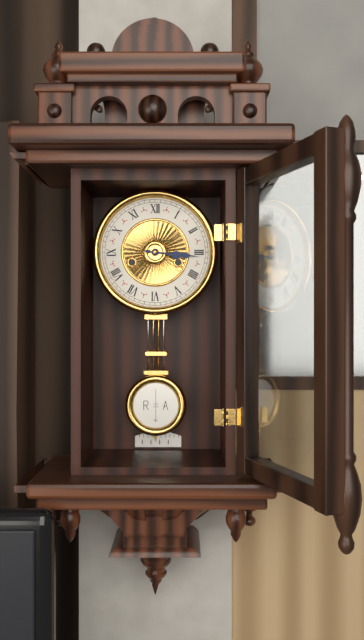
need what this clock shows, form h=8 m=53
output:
h=3 m=16
